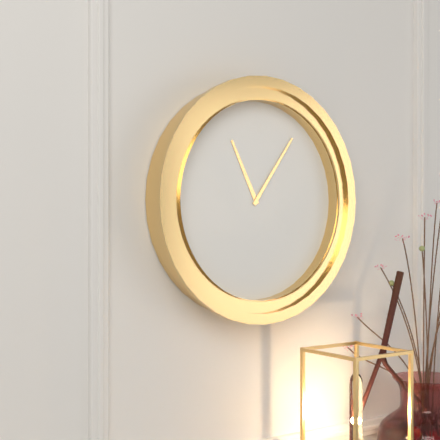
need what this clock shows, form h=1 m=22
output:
h=11 m=6
